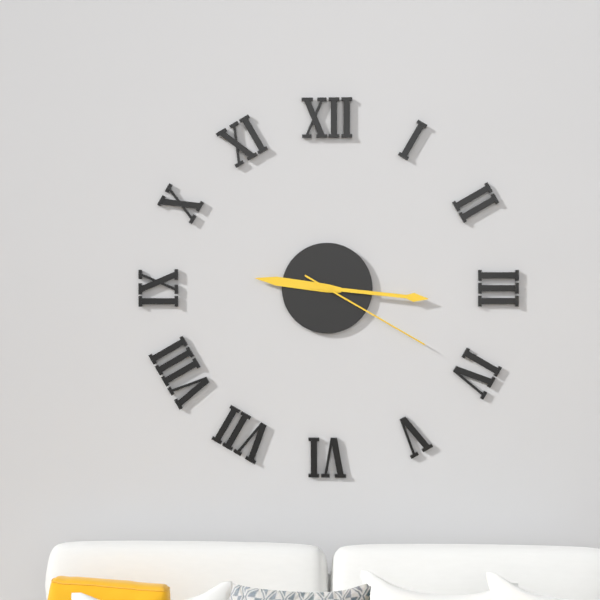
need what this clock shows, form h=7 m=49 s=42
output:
h=9 m=16 s=20
